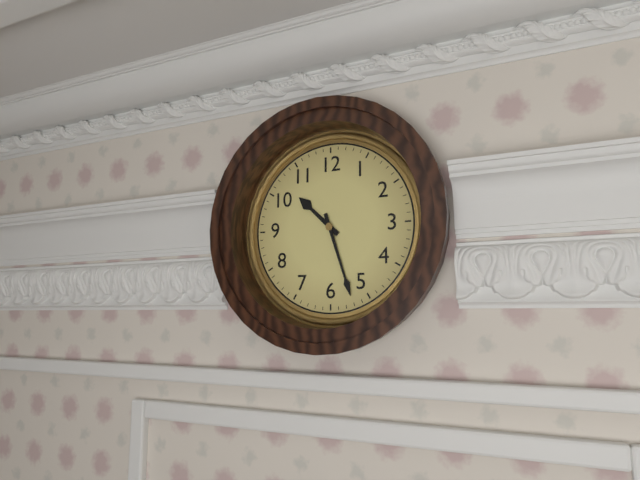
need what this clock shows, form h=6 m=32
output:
h=10 m=27
